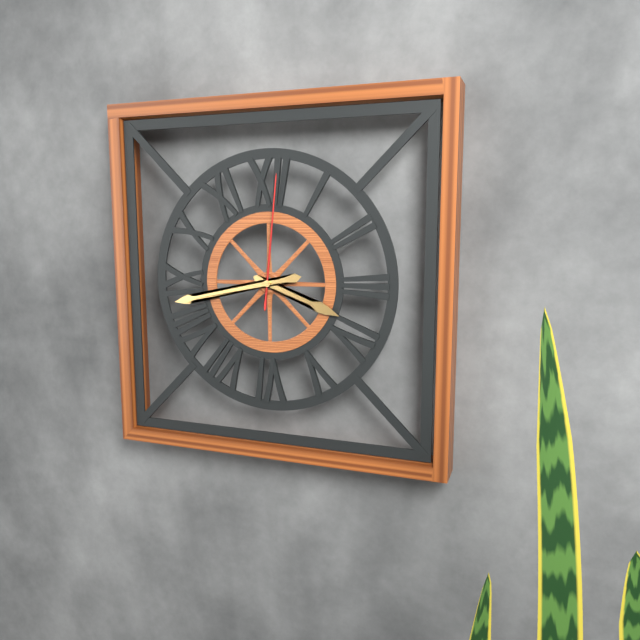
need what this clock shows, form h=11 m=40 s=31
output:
h=3 m=43 s=1
